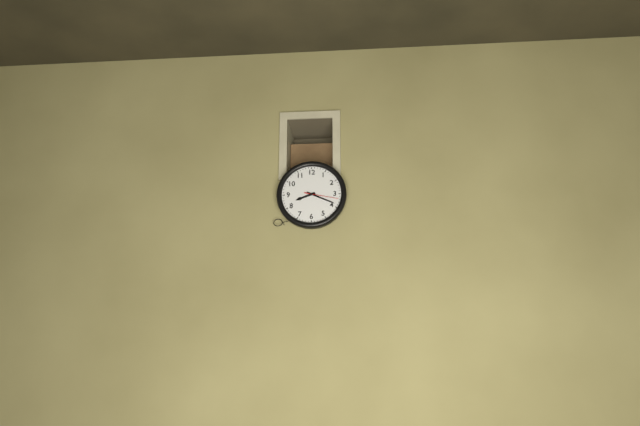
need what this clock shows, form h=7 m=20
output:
h=8 m=19
